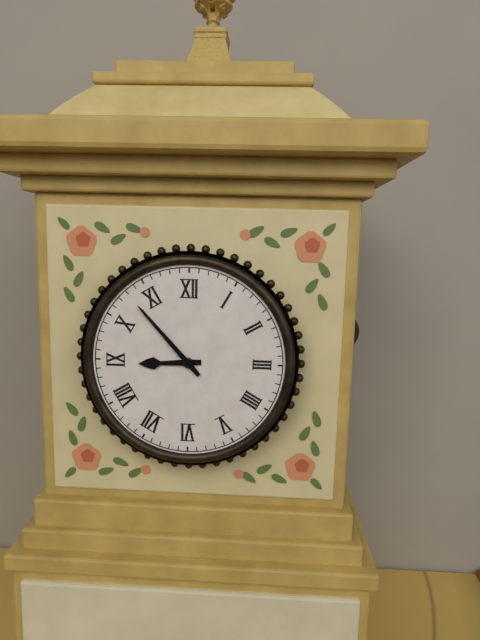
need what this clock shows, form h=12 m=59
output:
h=8 m=53
